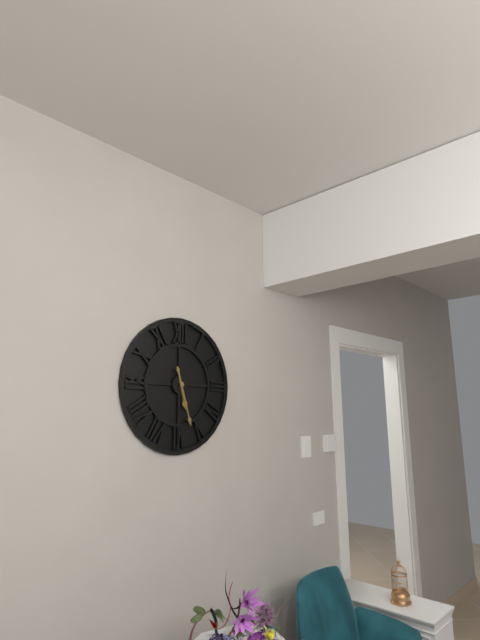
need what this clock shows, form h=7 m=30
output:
h=5 m=27
